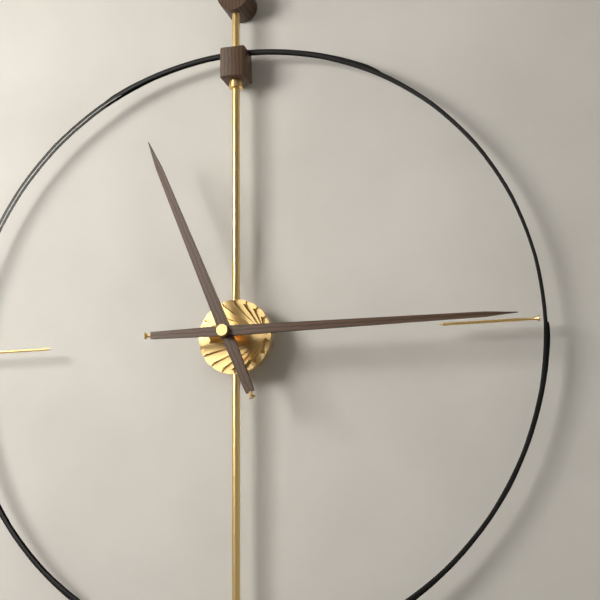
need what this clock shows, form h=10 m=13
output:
h=11 m=15
